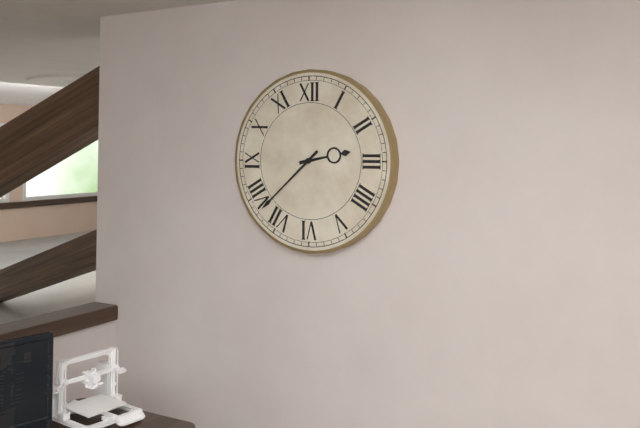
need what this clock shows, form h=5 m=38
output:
h=2 m=38
